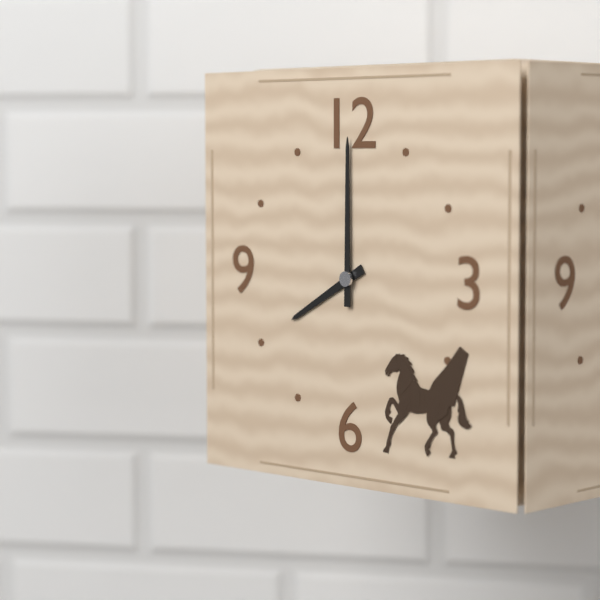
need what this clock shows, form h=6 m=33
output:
h=8 m=0
